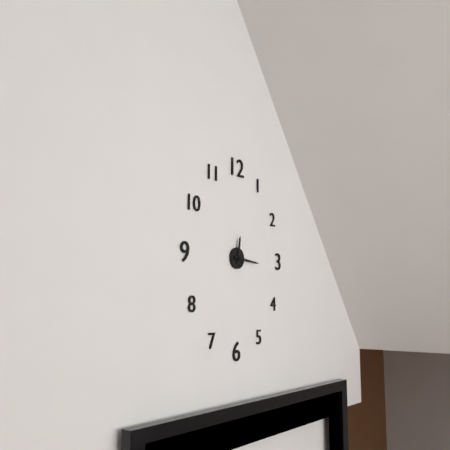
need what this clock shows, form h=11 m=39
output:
h=12 m=16
